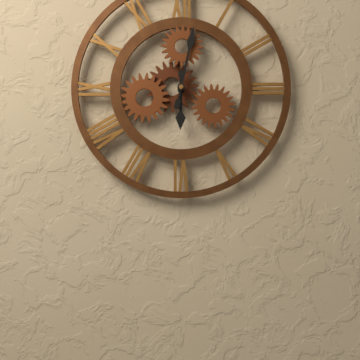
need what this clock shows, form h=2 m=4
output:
h=6 m=2
